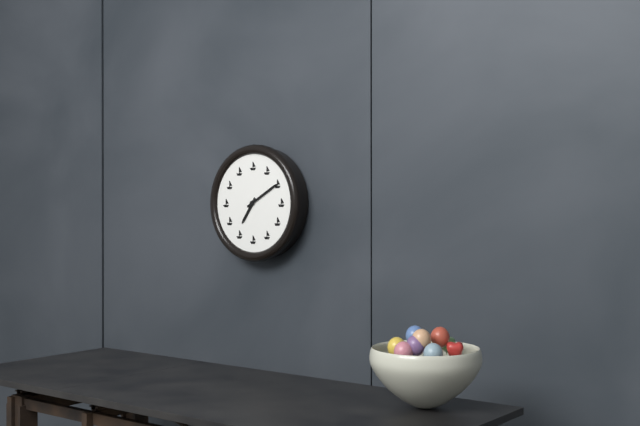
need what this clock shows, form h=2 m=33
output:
h=7 m=10
